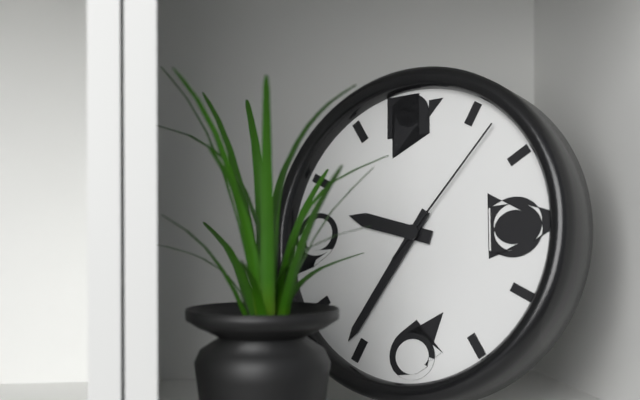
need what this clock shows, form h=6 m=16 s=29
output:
h=9 m=36 s=7
